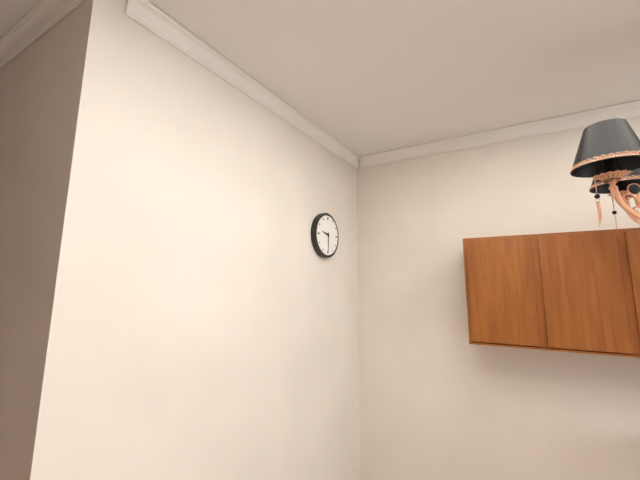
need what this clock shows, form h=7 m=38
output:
h=9 m=30
